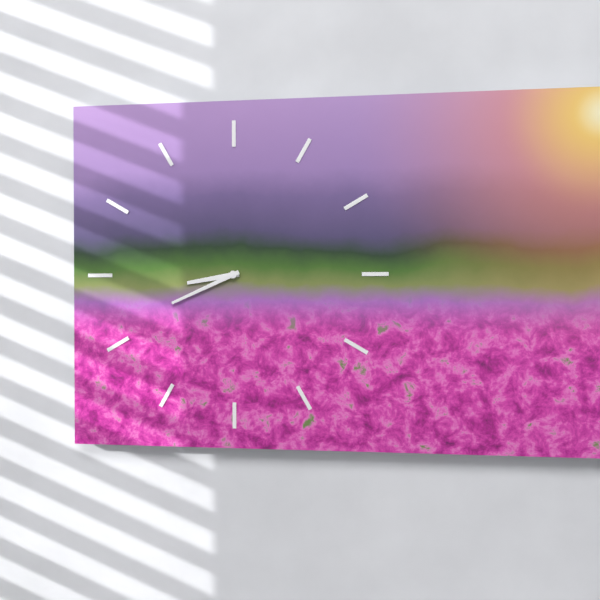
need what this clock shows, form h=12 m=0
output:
h=8 m=41
